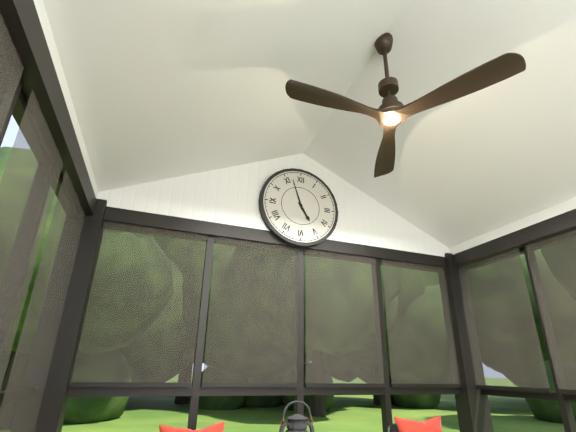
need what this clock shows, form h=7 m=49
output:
h=4 m=57
